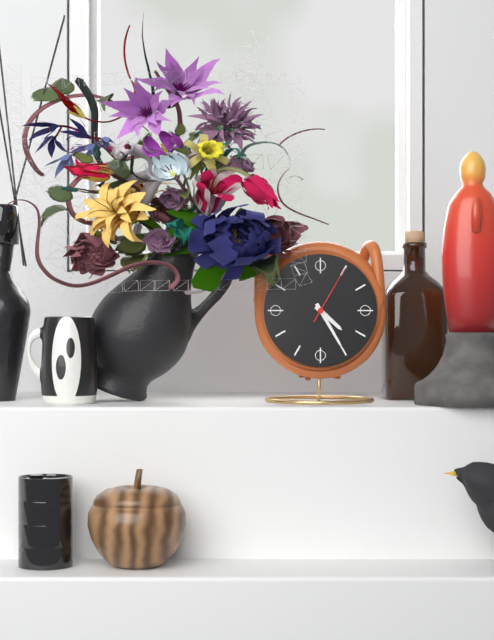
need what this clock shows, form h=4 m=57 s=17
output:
h=4 m=25 s=5
